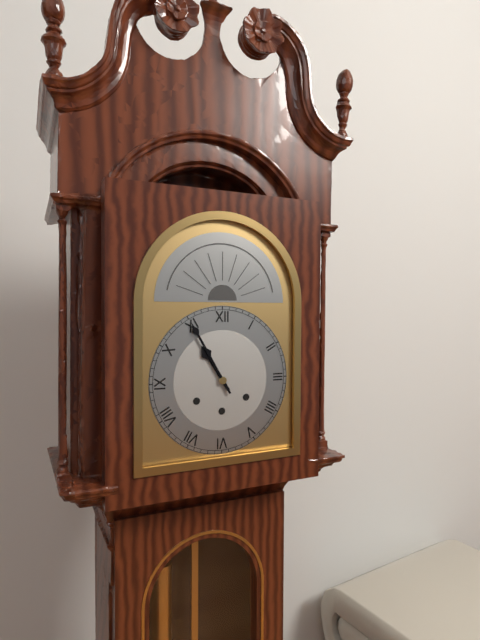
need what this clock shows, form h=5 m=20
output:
h=10 m=55
